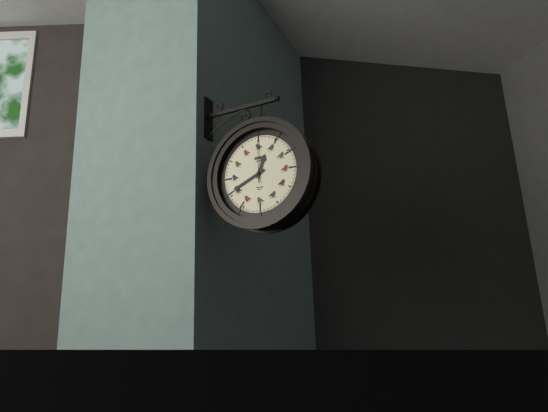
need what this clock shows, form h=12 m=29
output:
h=12 m=41
